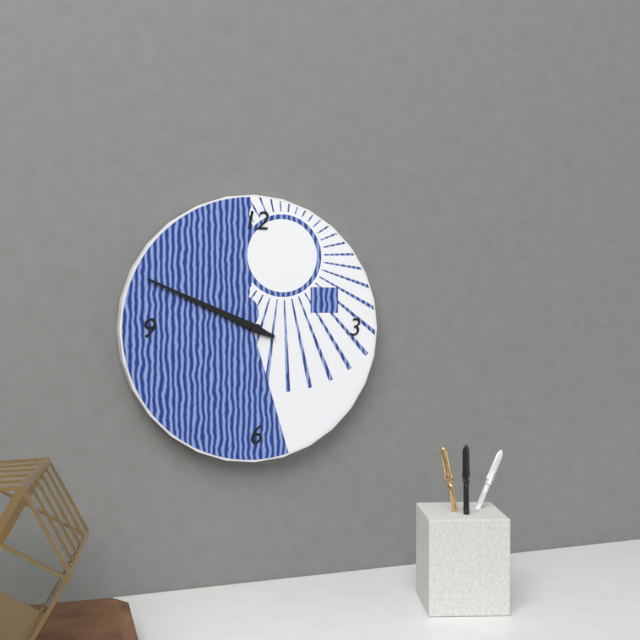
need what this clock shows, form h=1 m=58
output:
h=9 m=49
